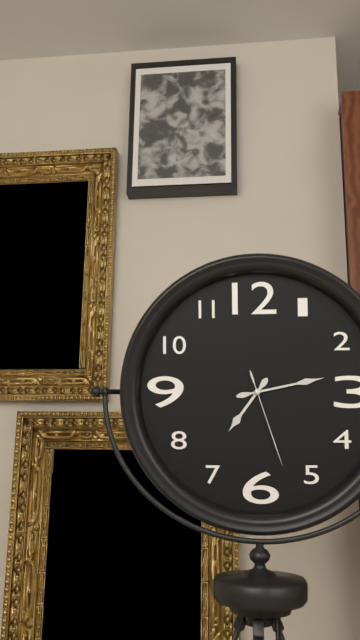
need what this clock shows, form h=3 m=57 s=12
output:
h=7 m=13 s=27
